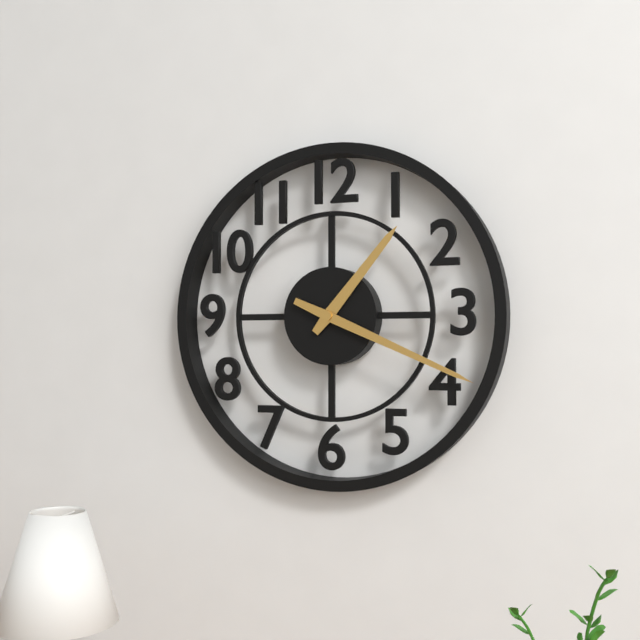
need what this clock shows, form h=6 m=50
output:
h=1 m=19
